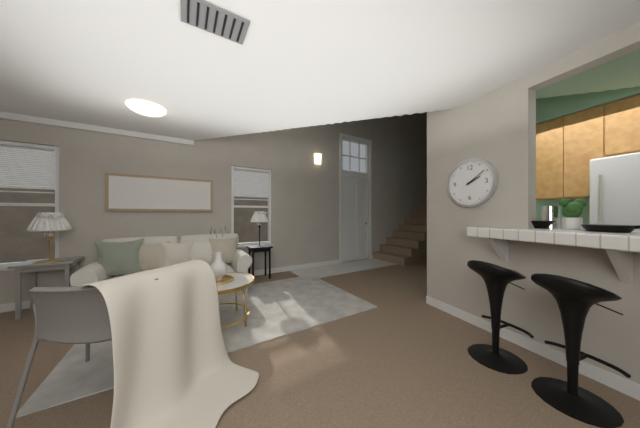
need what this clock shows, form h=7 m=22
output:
h=2 m=9
